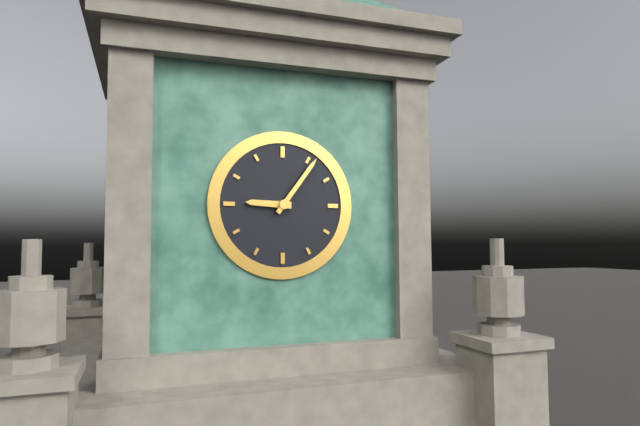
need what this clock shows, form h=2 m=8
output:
h=9 m=6
